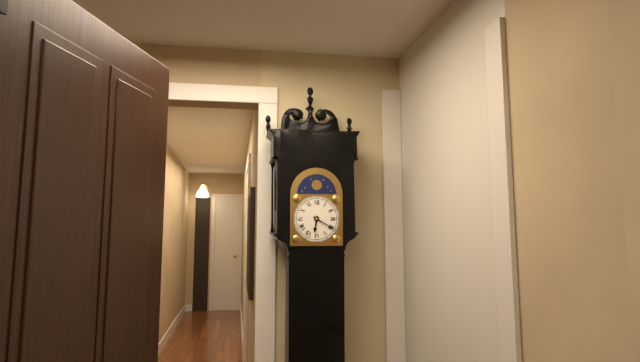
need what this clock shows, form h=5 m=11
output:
h=6 m=20
